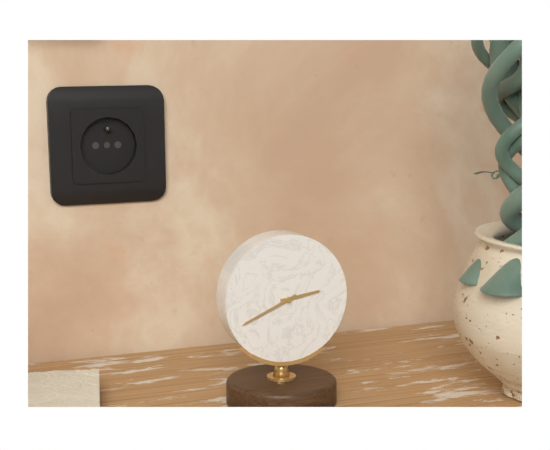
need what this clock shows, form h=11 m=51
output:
h=2 m=41
